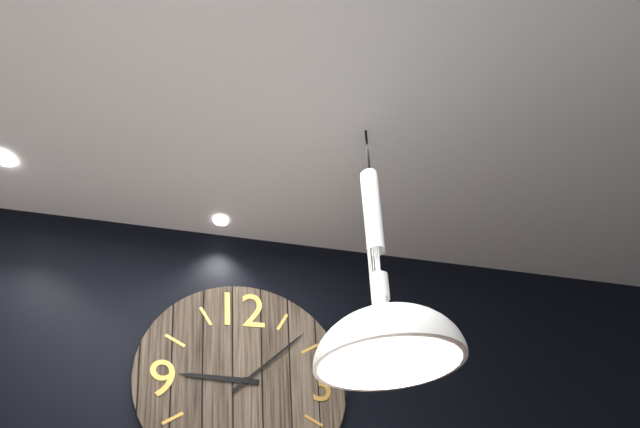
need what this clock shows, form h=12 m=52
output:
h=9 m=8
